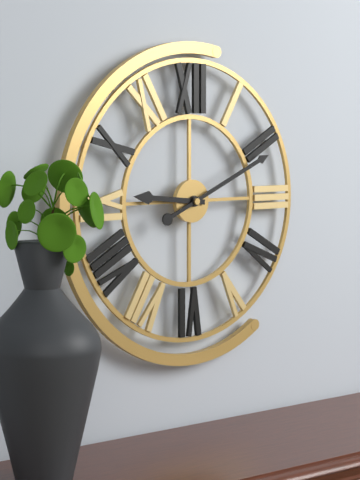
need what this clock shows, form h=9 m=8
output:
h=9 m=11
